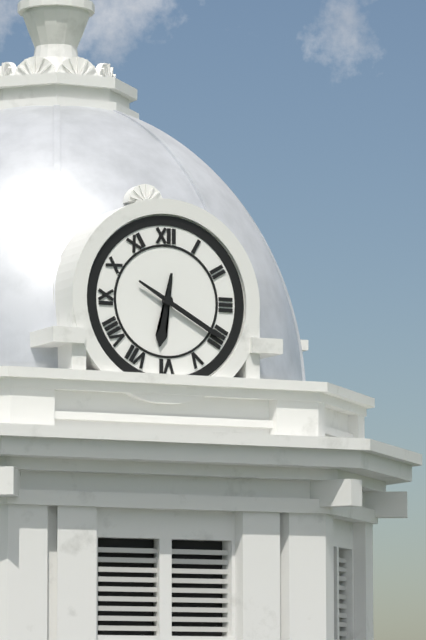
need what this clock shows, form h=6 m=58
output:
h=6 m=20
